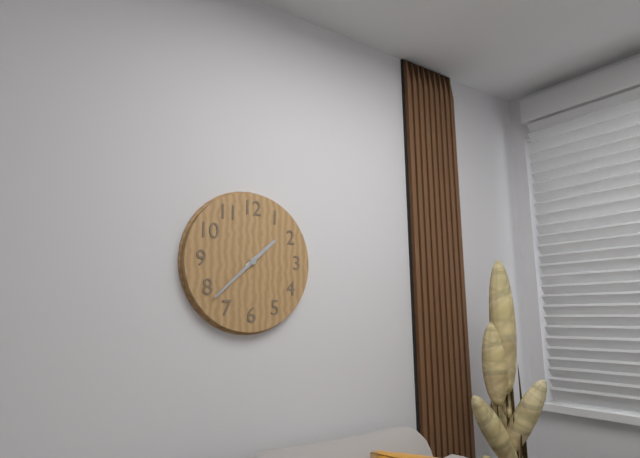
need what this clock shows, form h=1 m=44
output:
h=1 m=38
